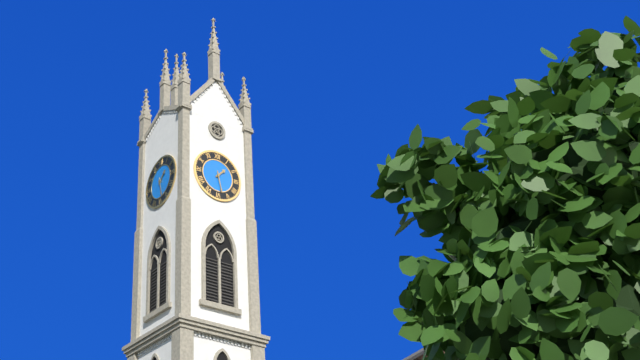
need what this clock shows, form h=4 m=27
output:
h=1 m=28
